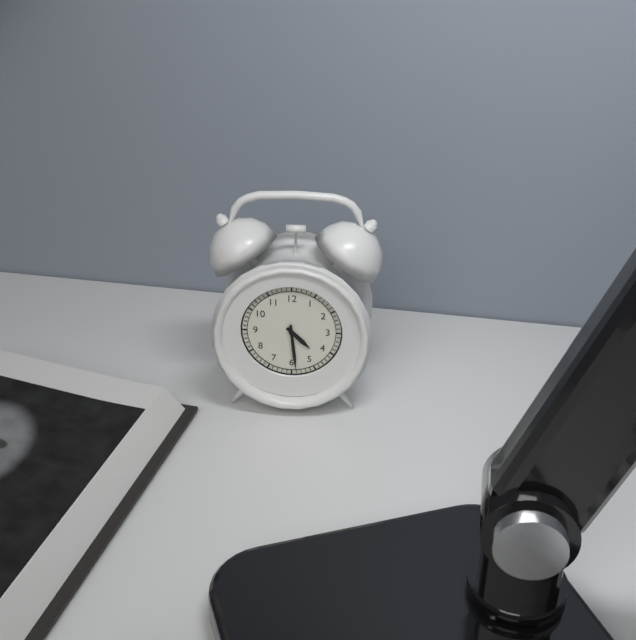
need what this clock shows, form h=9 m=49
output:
h=4 m=29
